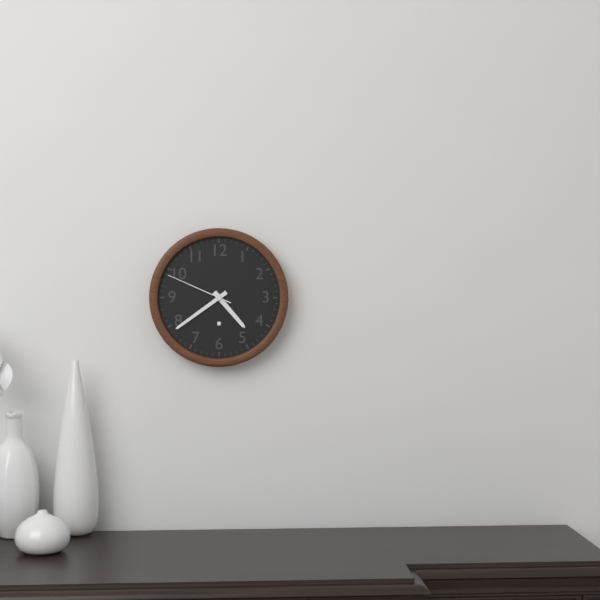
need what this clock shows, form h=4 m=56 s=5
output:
h=4 m=39 s=49
